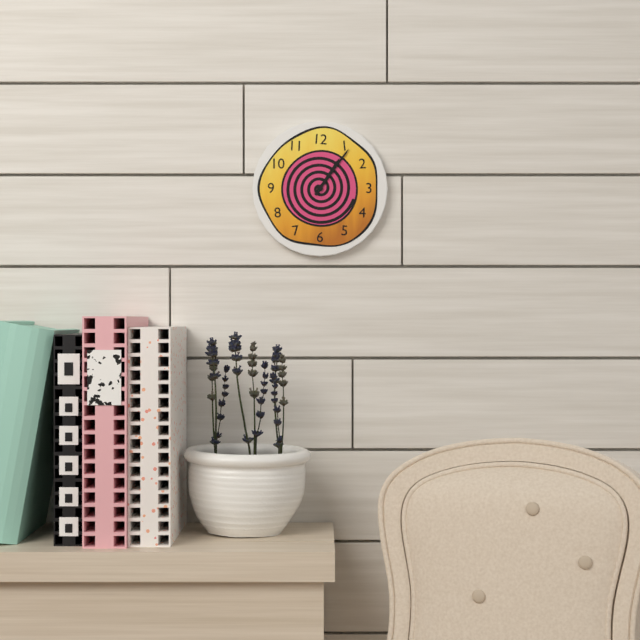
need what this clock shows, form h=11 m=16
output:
h=1 m=6
